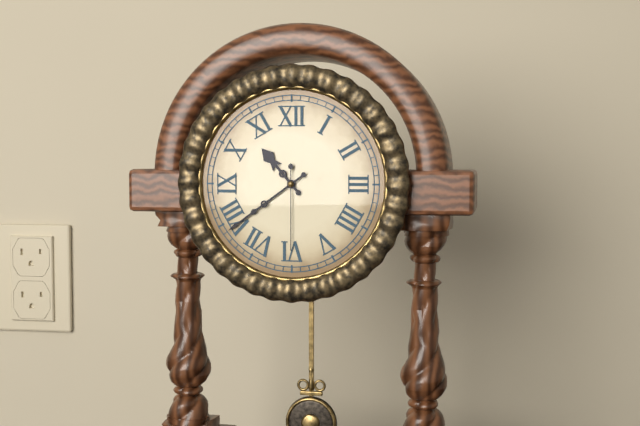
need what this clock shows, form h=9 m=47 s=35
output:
h=10 m=39 s=30
